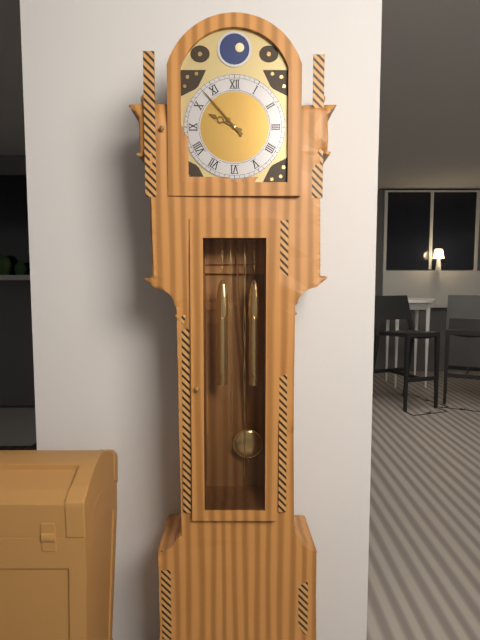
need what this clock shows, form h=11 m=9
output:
h=9 m=53
